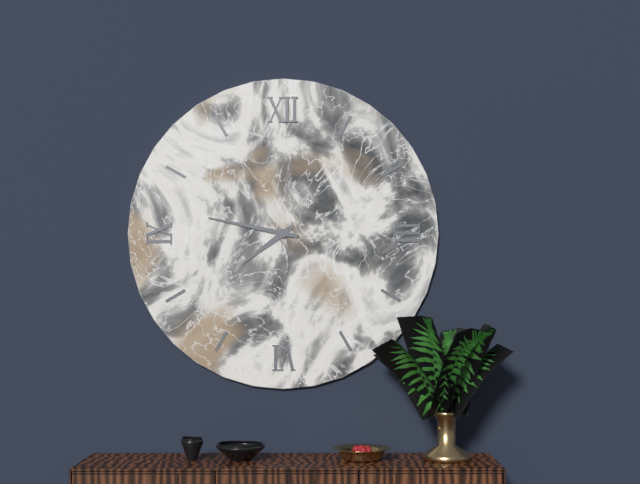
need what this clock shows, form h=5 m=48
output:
h=7 m=47
